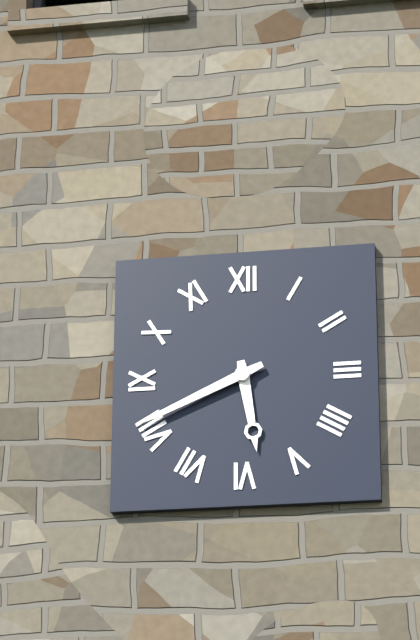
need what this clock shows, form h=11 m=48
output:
h=5 m=41
